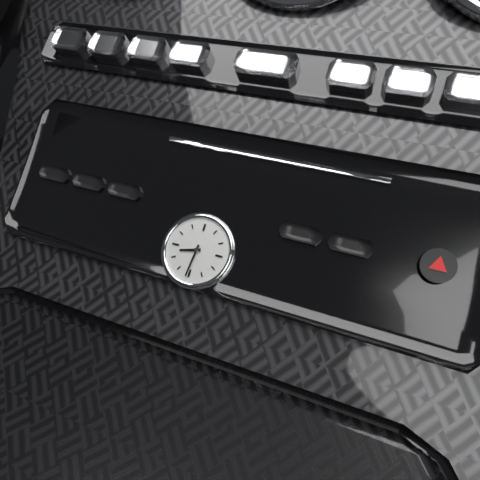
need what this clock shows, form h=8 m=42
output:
h=8 m=31
